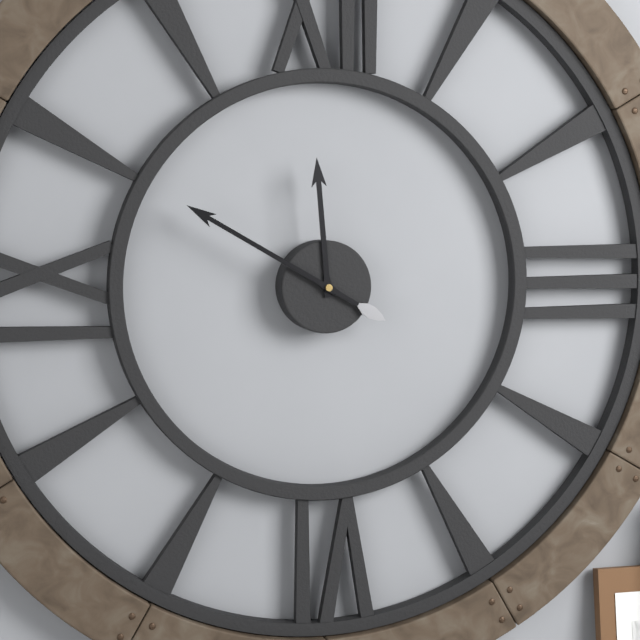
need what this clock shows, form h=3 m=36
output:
h=11 m=50
